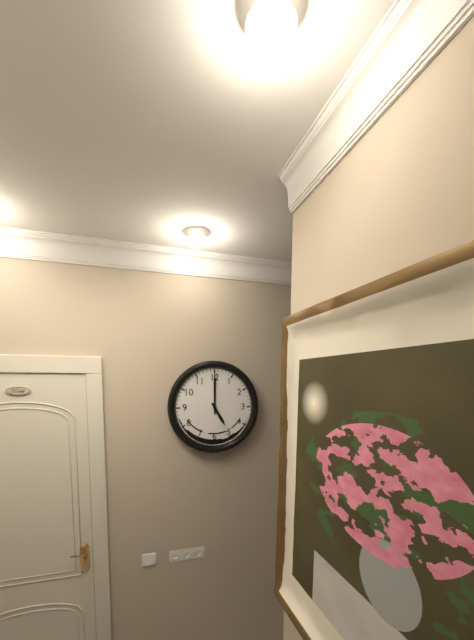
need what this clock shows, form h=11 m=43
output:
h=5 m=0
